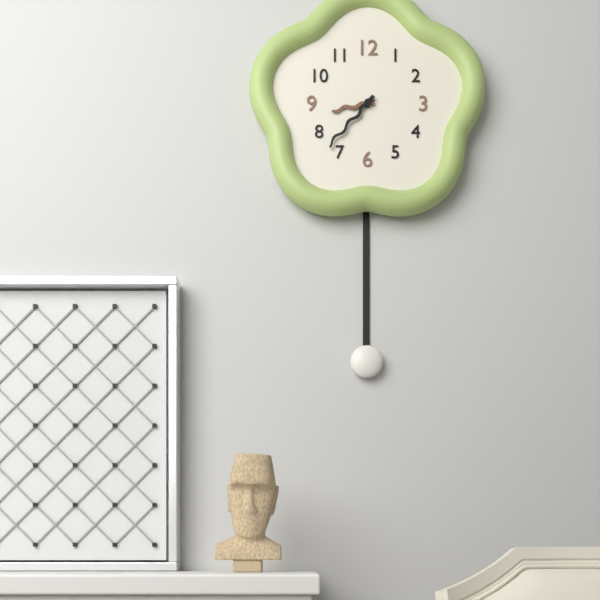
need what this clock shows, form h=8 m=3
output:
h=8 m=37
